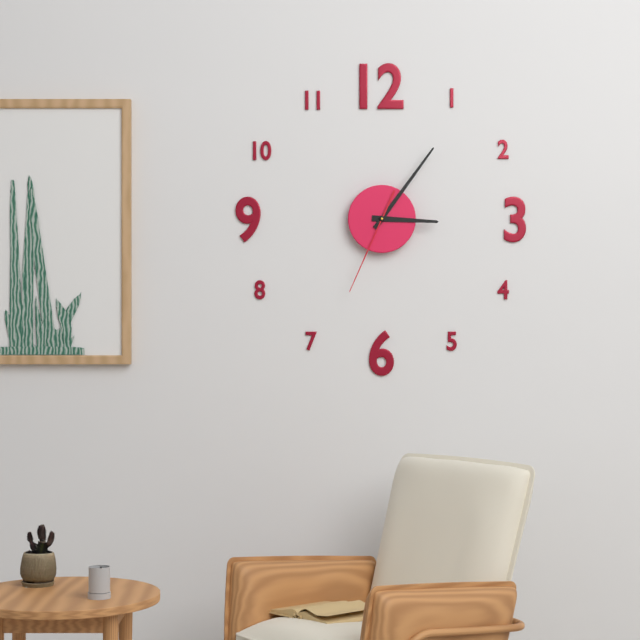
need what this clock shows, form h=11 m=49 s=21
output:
h=3 m=6 s=34
